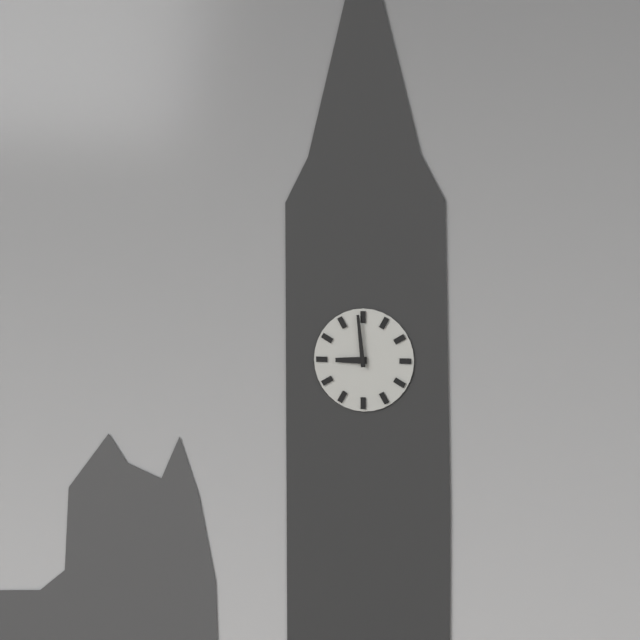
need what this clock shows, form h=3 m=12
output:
h=8 m=59
